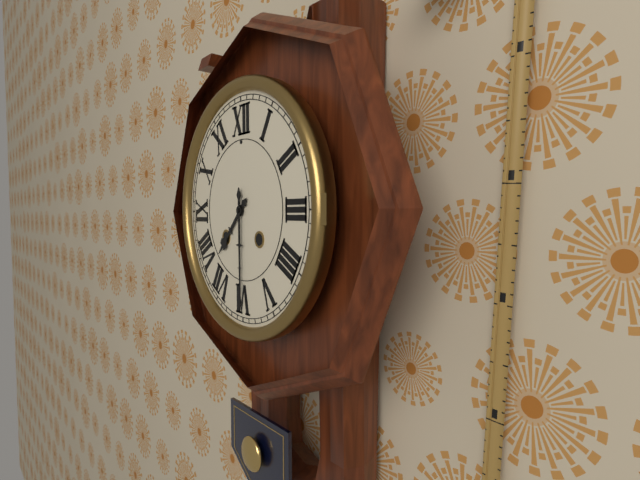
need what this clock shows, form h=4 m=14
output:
h=7 m=30
